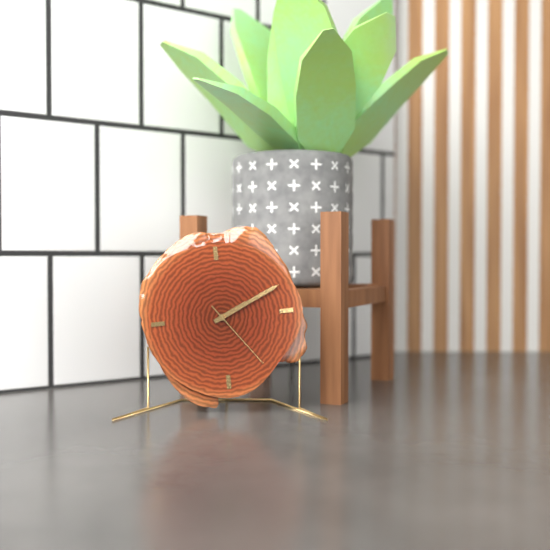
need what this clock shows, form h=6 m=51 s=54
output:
h=2 m=11 s=24
